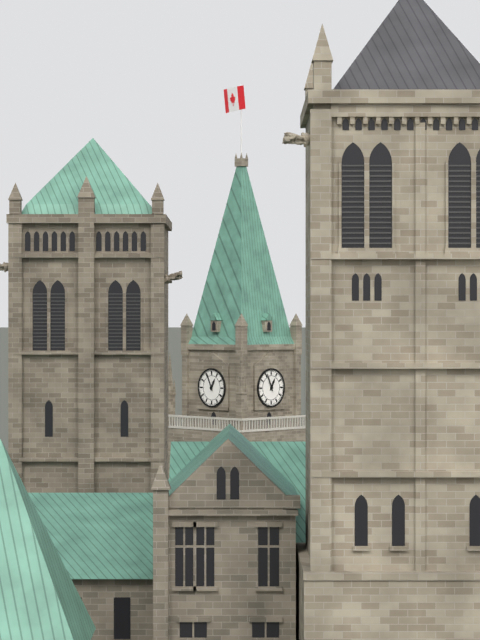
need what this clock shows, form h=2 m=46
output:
h=12 m=56
